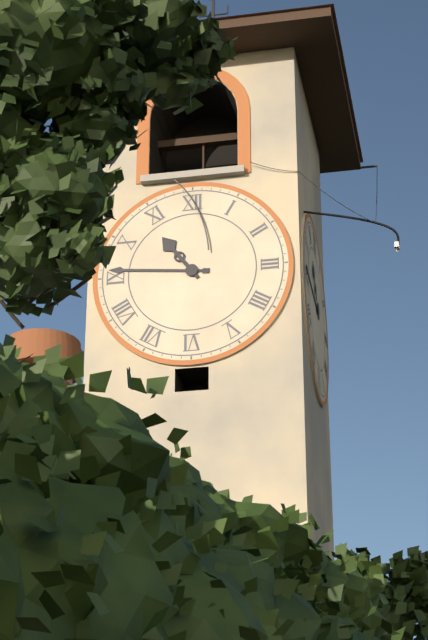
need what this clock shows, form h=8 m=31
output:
h=10 m=46
